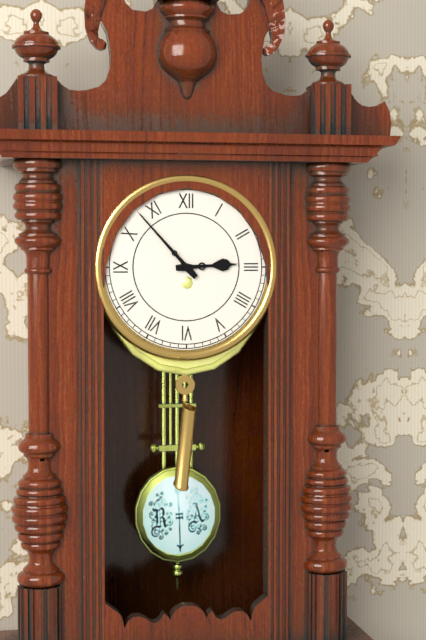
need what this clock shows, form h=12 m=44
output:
h=2 m=53
